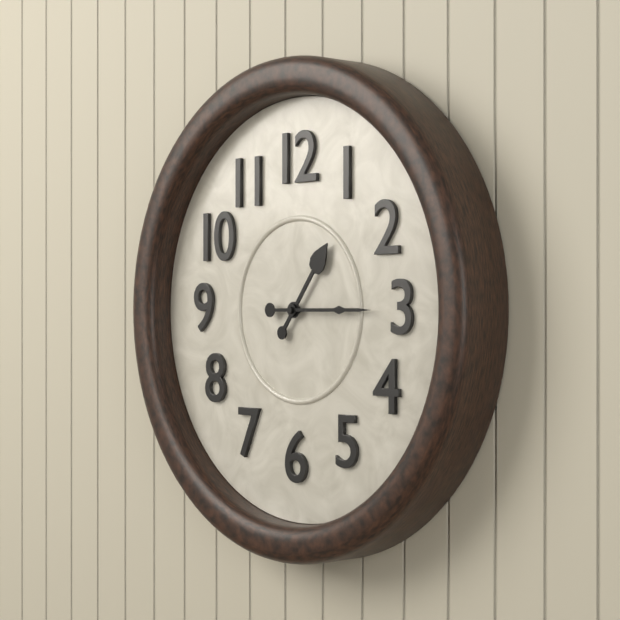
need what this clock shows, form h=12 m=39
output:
h=1 m=15
